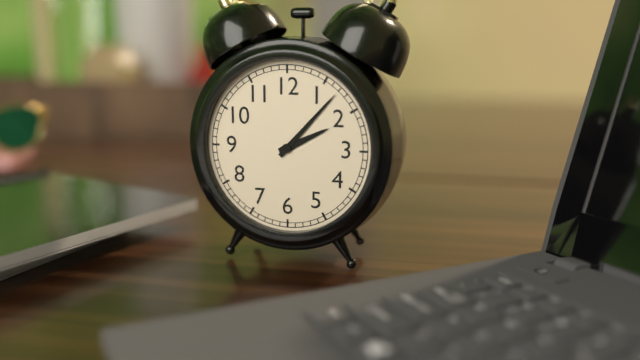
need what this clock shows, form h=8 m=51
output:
h=2 m=7
